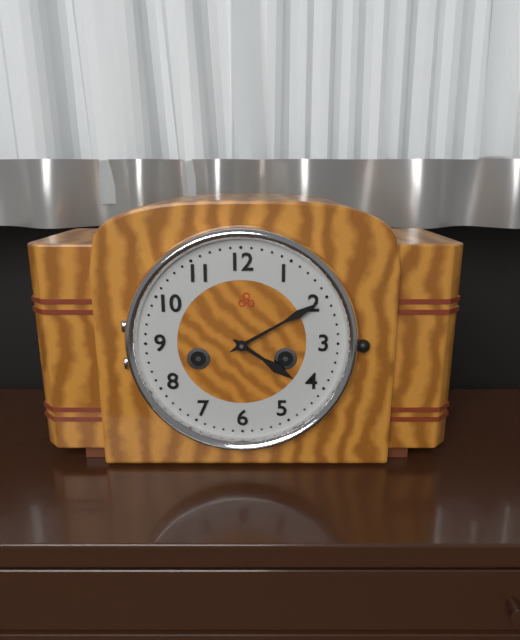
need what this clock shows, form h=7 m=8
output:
h=4 m=10
